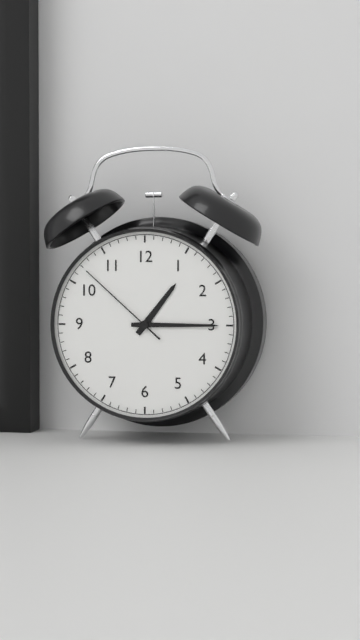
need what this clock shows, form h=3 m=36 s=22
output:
h=1 m=15 s=52
